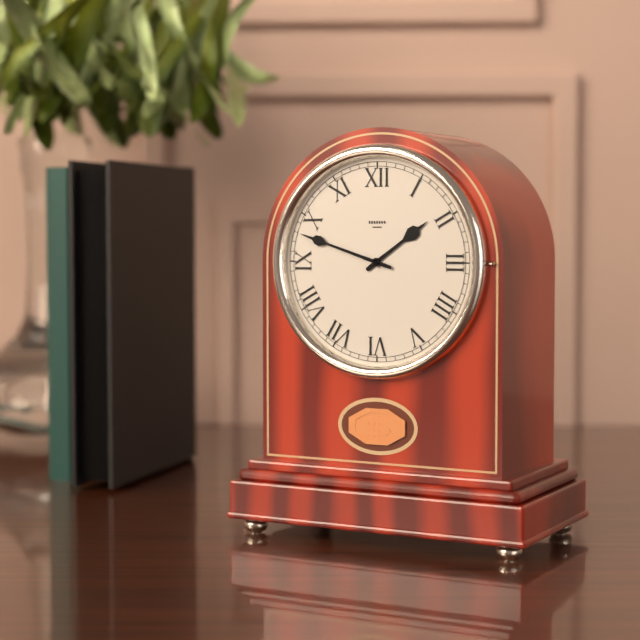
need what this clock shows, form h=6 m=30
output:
h=1 m=48
